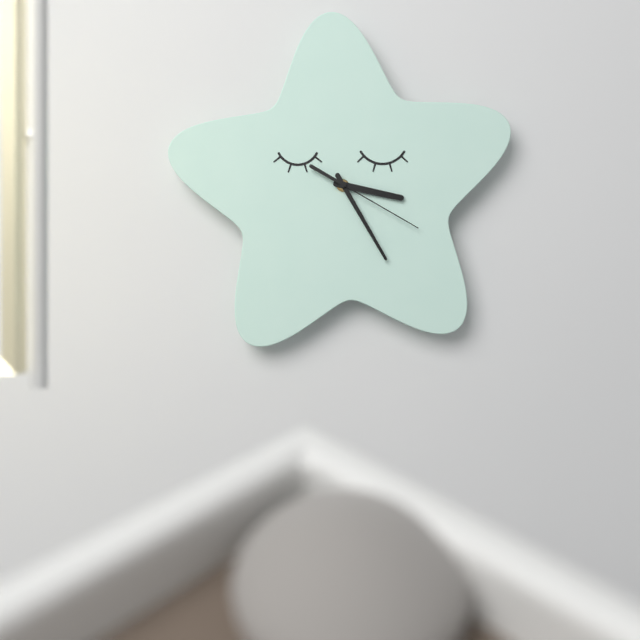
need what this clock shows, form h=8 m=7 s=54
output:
h=3 m=25 s=20
